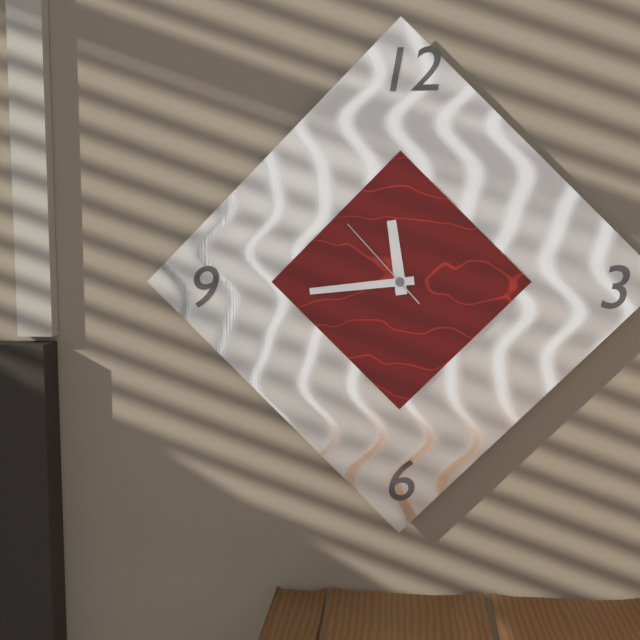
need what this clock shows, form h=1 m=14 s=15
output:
h=11 m=44 s=53
